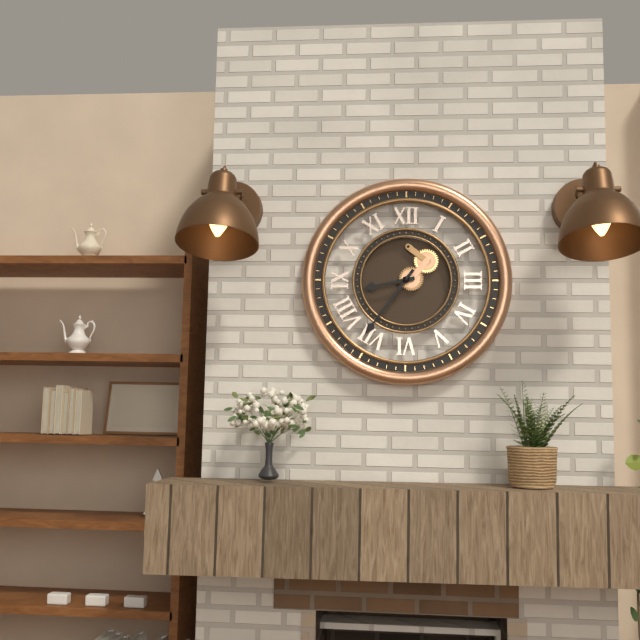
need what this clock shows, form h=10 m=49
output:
h=8 m=36
